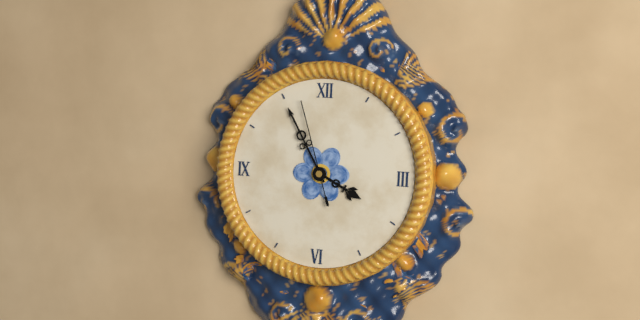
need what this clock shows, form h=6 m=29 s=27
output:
h=3 m=55 s=57
